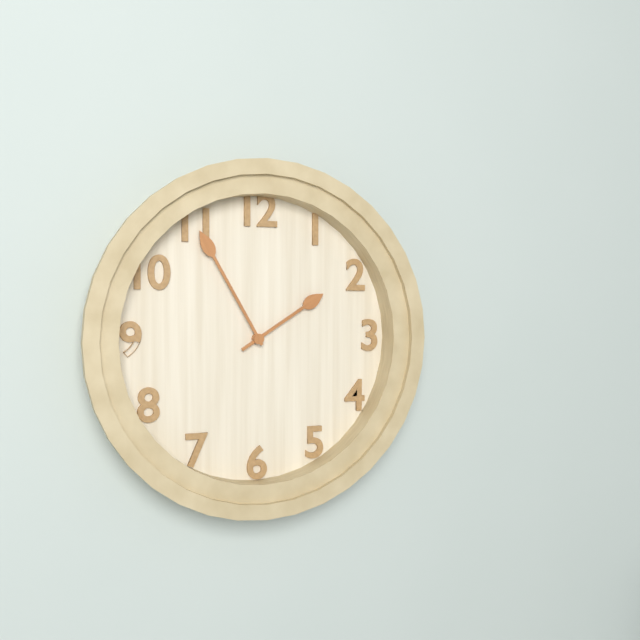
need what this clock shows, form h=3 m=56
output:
h=1 m=55
